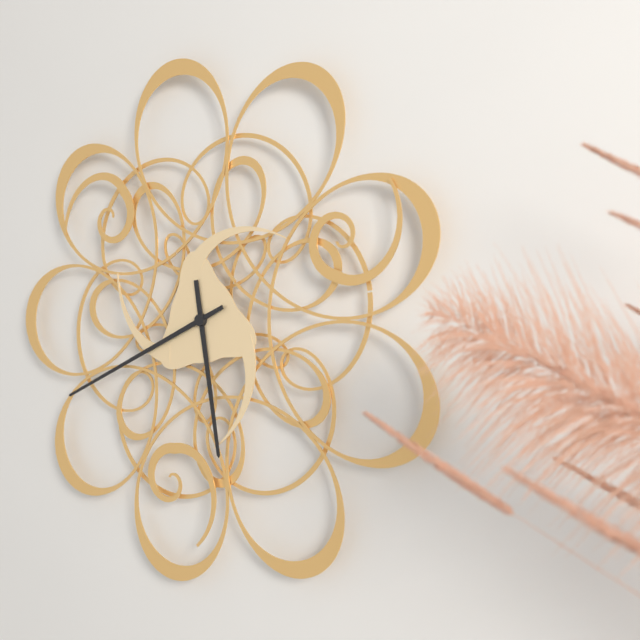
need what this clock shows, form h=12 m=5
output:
h=5 m=41
